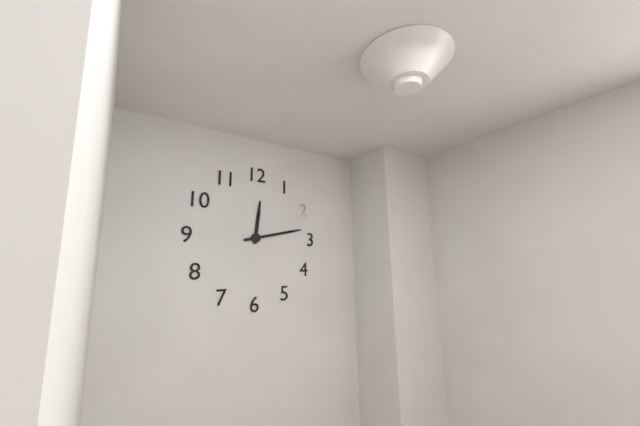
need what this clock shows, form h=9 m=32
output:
h=12 m=13
